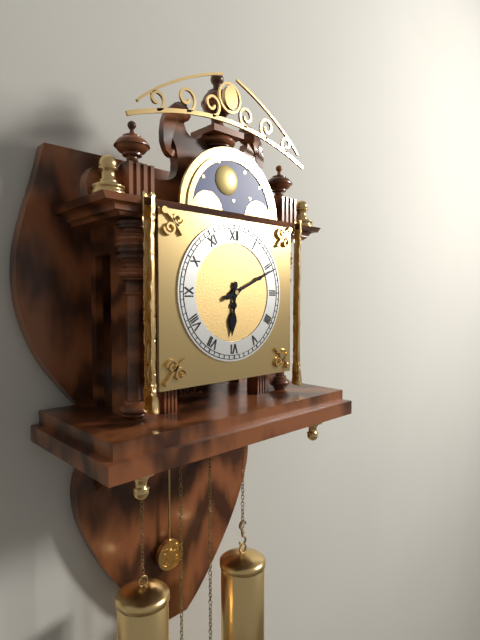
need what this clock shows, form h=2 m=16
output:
h=6 m=11
